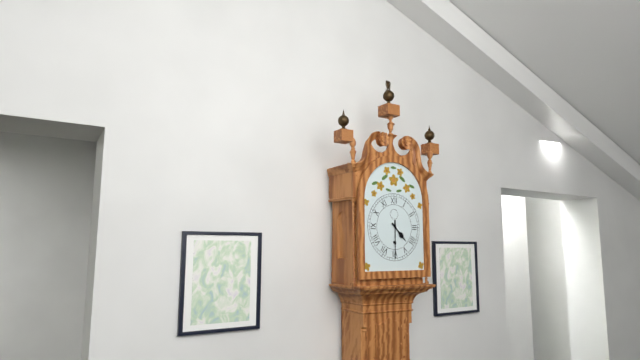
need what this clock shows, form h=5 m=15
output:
h=4 m=30
